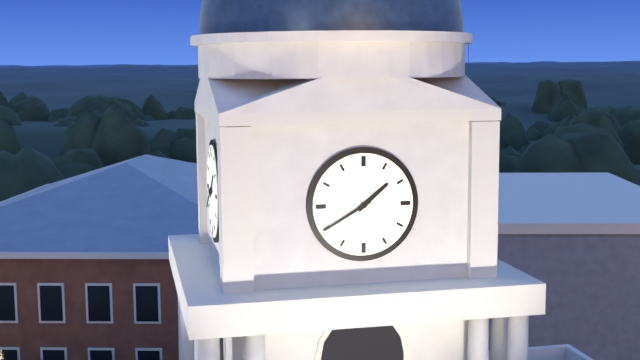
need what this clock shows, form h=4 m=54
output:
h=1 m=40
